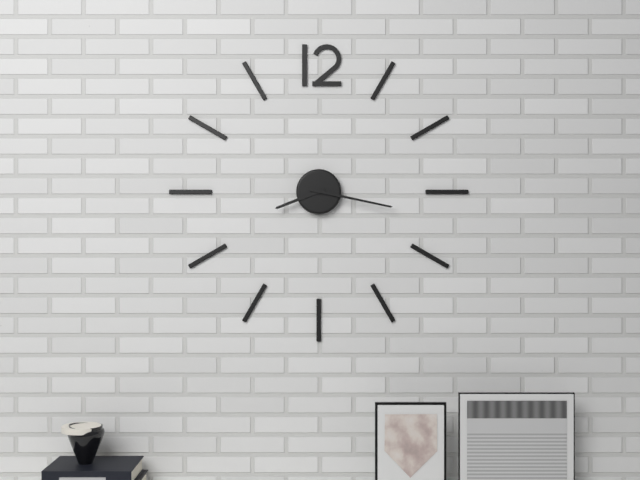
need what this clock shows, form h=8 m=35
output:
h=8 m=17
